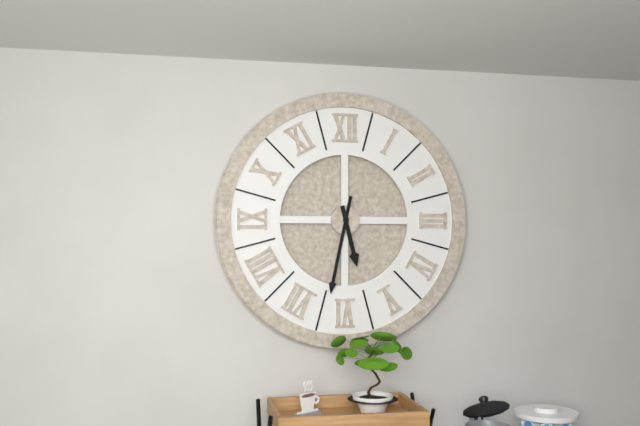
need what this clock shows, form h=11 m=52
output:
h=5 m=32
